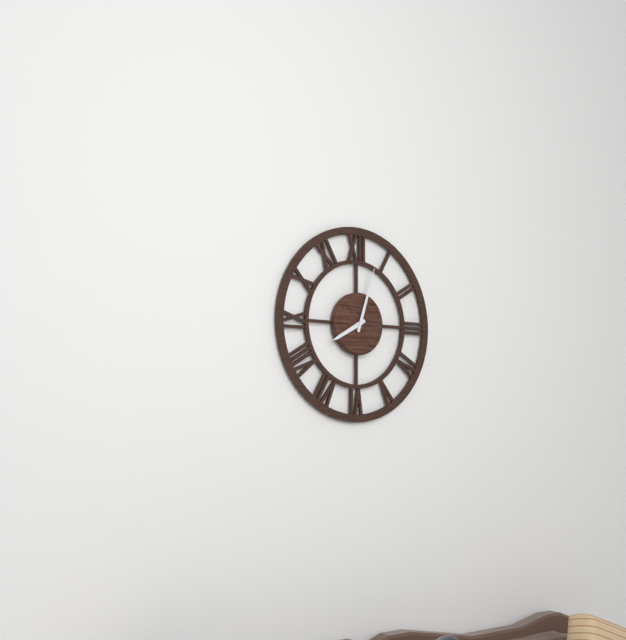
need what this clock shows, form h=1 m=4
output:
h=8 m=3
